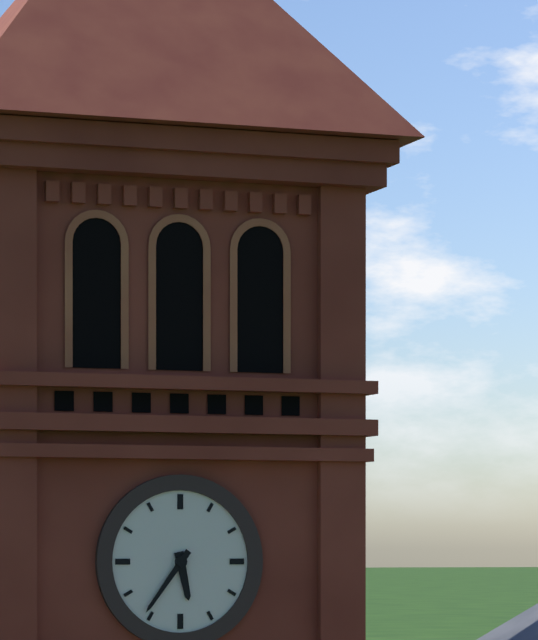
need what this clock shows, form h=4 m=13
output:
h=5 m=36
